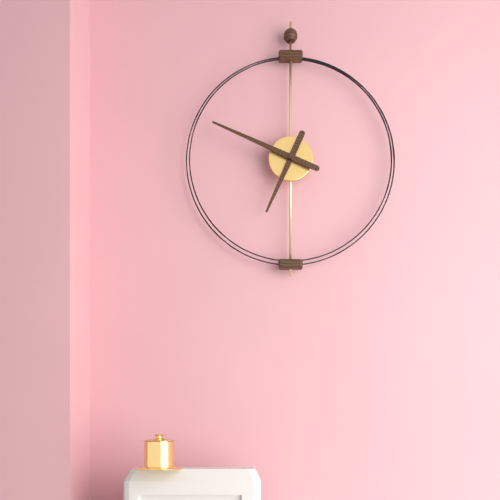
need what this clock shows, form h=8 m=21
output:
h=6 m=49
